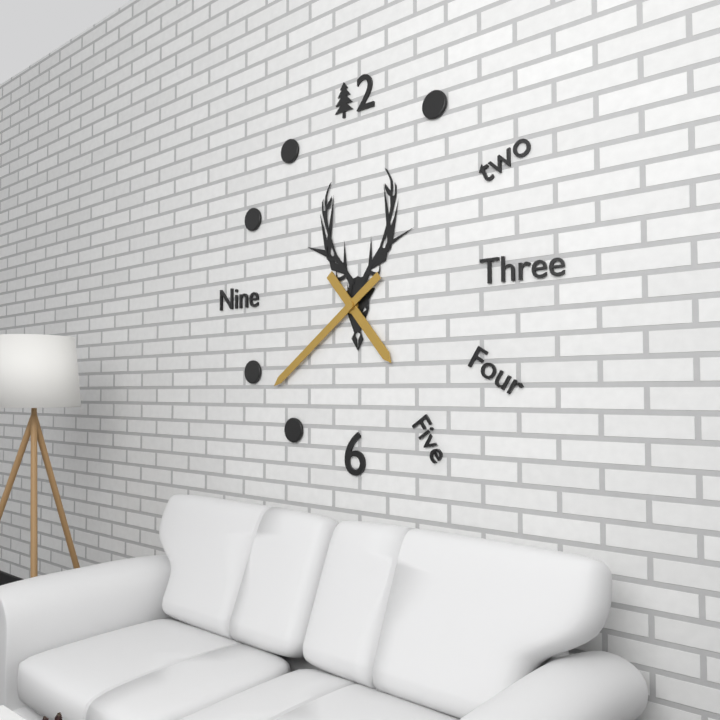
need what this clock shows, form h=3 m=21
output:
h=4 m=39
